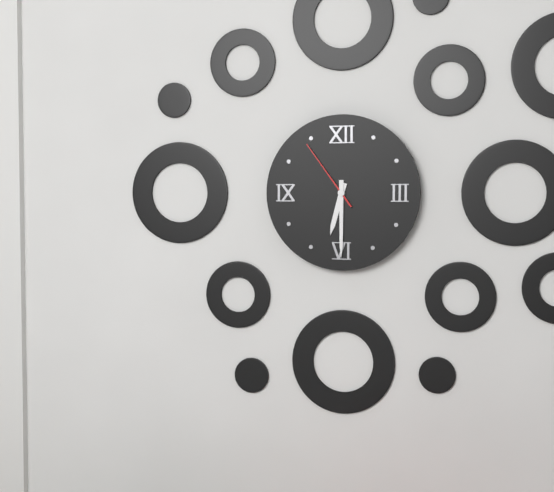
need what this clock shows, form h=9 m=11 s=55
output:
h=6 m=30 s=54
